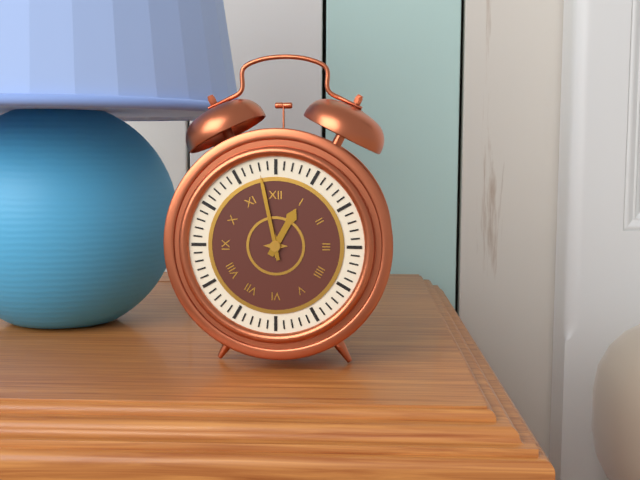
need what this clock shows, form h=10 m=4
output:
h=12 m=58
